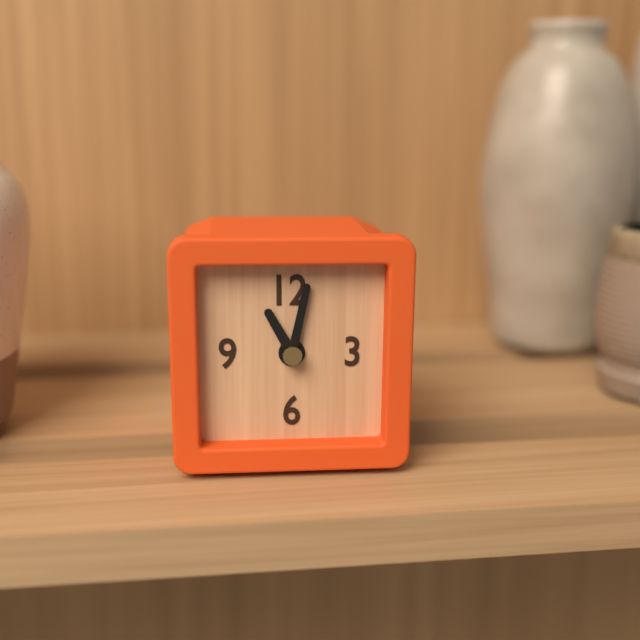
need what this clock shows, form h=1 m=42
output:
h=11 m=2
